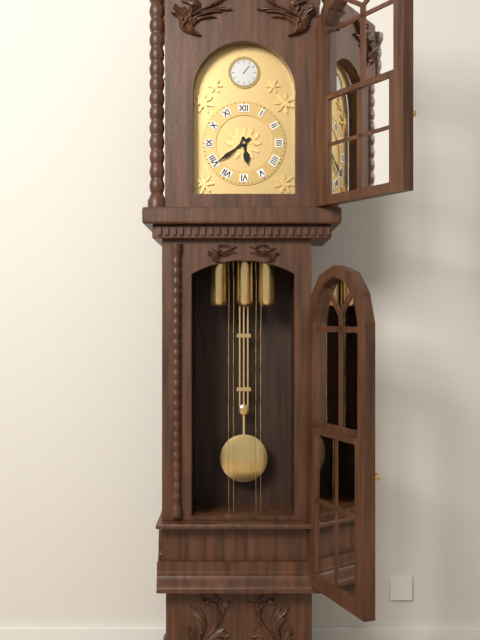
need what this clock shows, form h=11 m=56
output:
h=5 m=39
